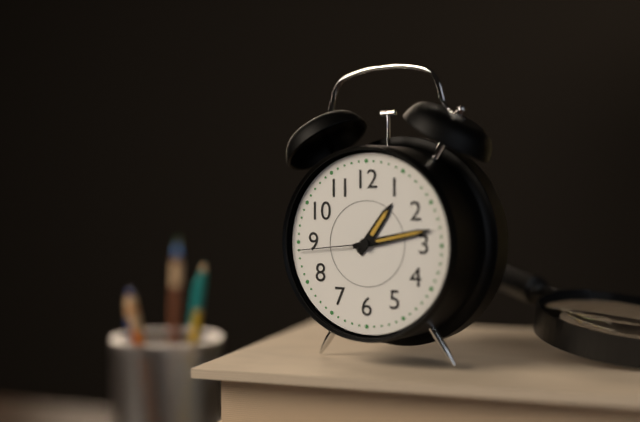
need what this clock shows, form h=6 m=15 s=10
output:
h=1 m=13 s=44
